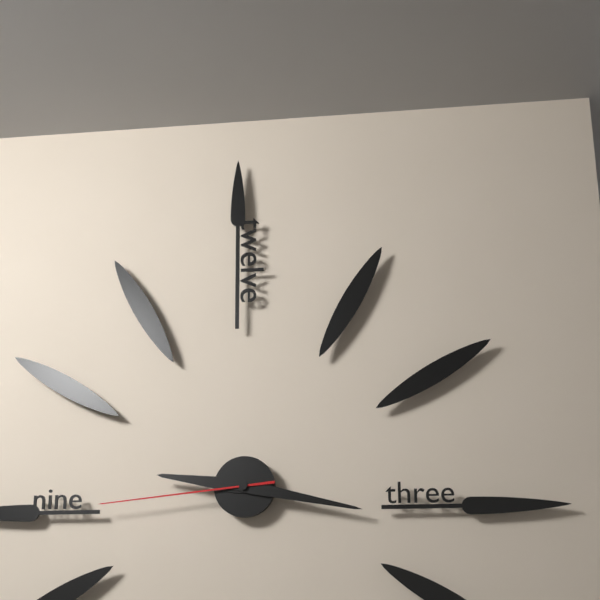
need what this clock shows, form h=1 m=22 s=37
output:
h=9 m=17 s=44
